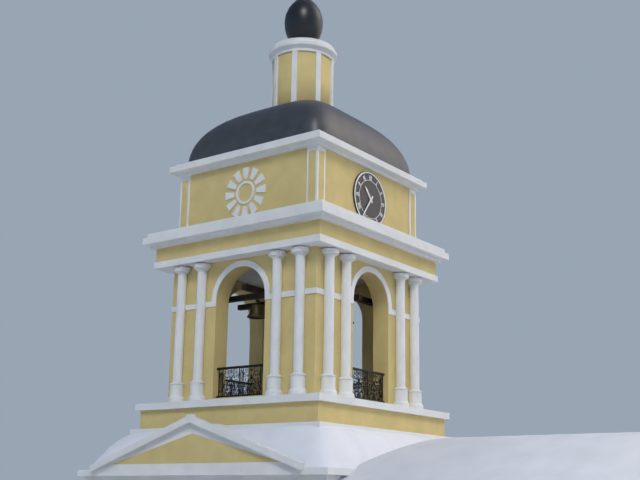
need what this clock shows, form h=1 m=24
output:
h=10 m=36
